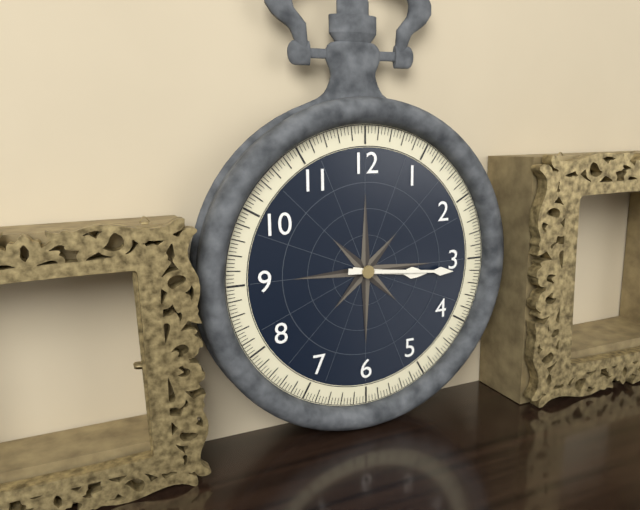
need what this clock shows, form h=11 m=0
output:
h=3 m=16
